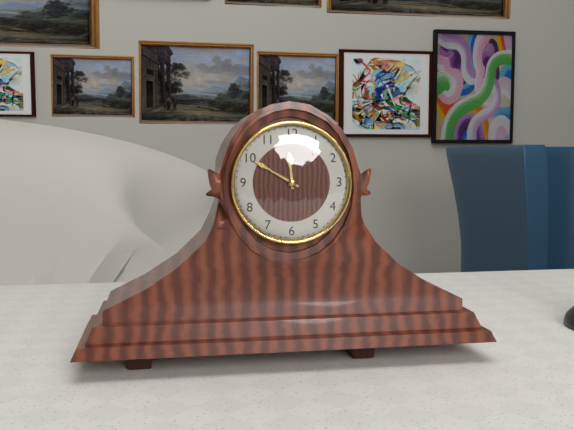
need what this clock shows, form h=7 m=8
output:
h=11 m=50
